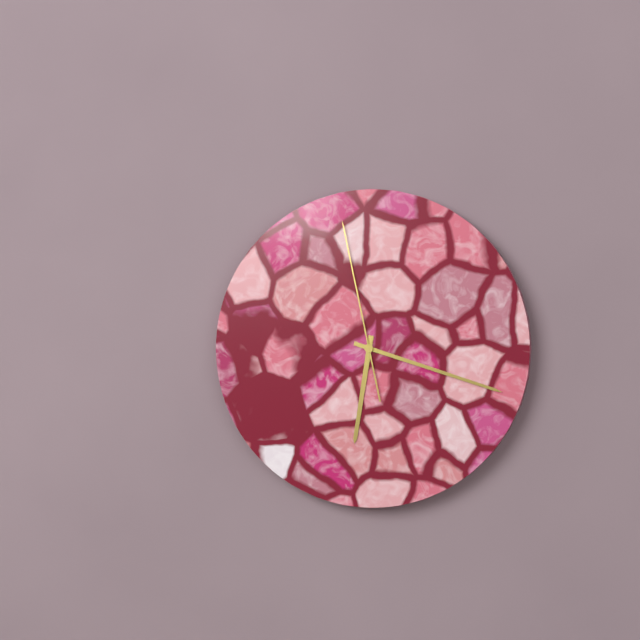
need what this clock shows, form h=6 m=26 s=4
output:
h=6 m=18 s=58
